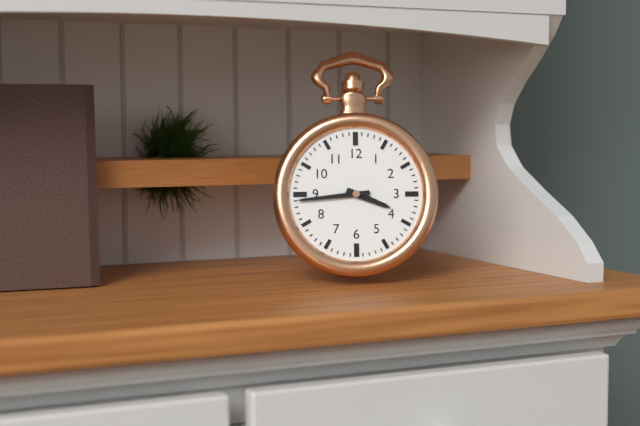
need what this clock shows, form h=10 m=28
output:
h=3 m=44
